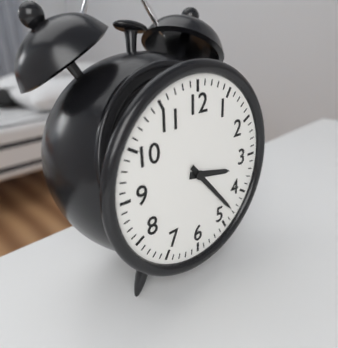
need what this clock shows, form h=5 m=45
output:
h=3 m=23
